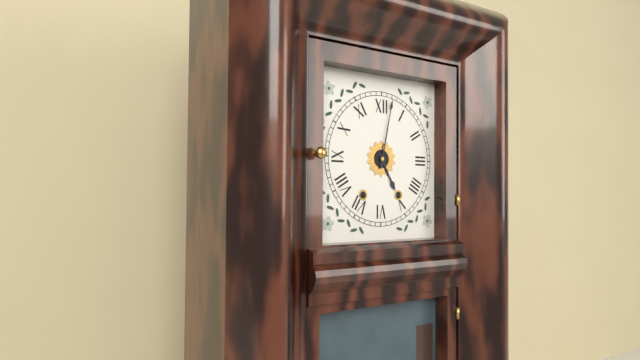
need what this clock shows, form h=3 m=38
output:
h=5 m=2
